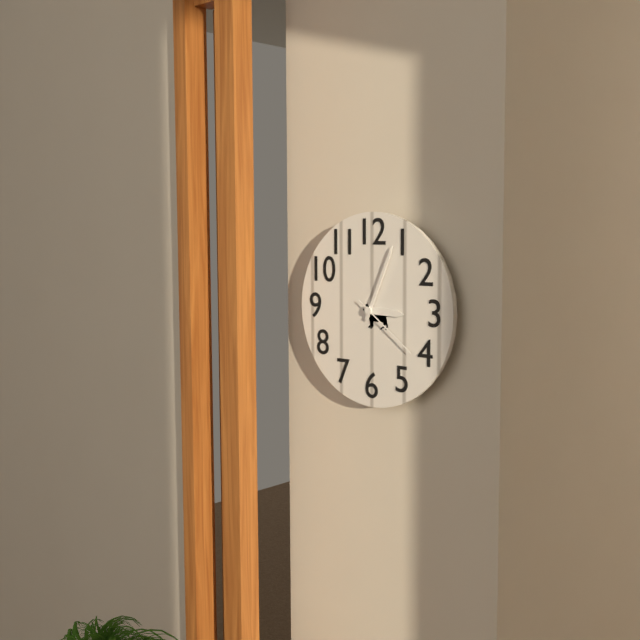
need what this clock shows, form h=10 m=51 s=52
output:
h=3 m=4 s=21
